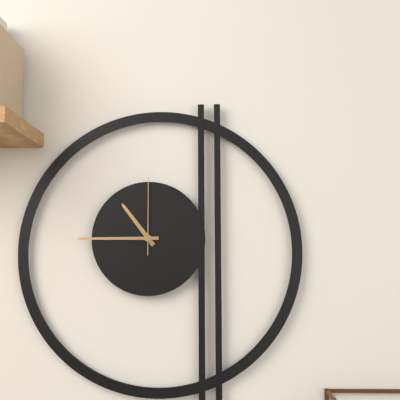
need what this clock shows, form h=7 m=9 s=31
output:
h=10 m=45 s=0
